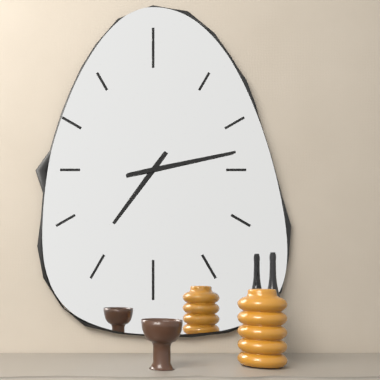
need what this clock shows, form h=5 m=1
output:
h=7 m=13
